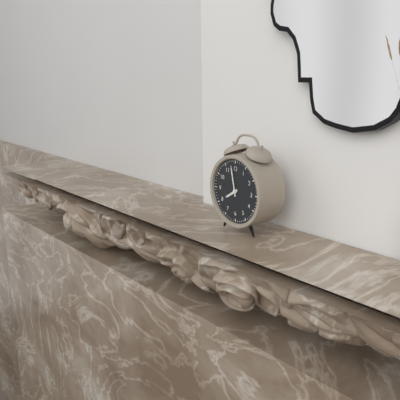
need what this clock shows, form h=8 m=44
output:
h=7 m=58
